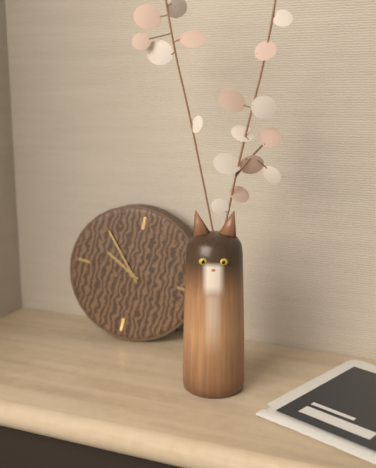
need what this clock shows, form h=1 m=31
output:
h=9 m=53
